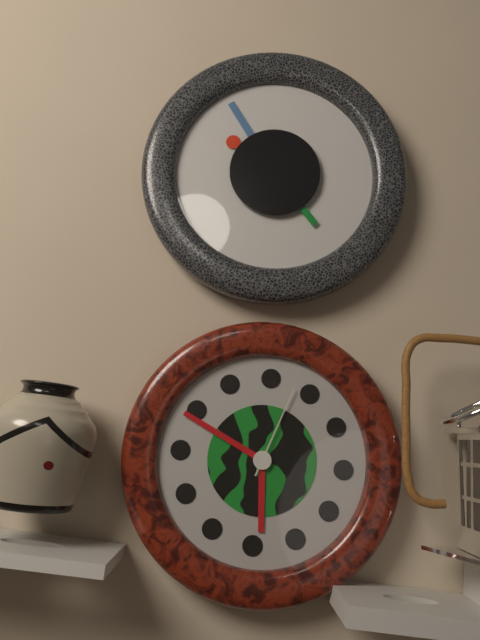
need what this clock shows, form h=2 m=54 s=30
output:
h=5 m=49 s=3
